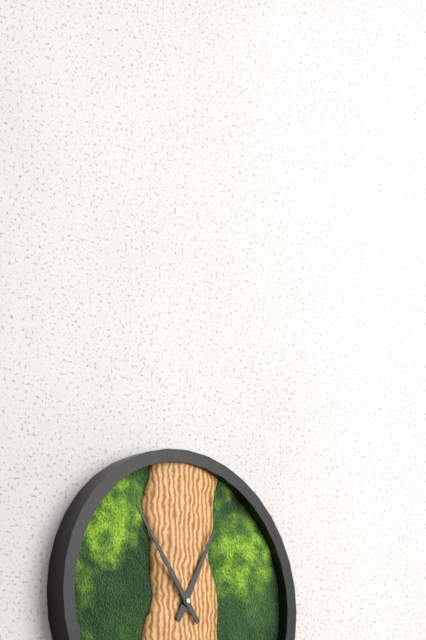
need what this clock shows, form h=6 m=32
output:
h=12 m=54
